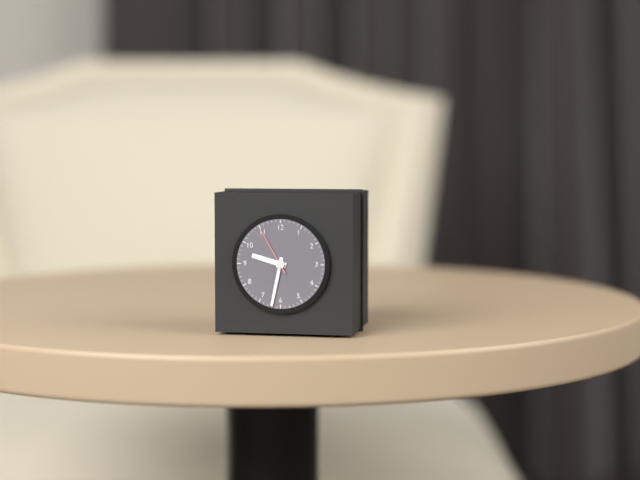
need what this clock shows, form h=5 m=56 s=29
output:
h=9 m=32 s=55
